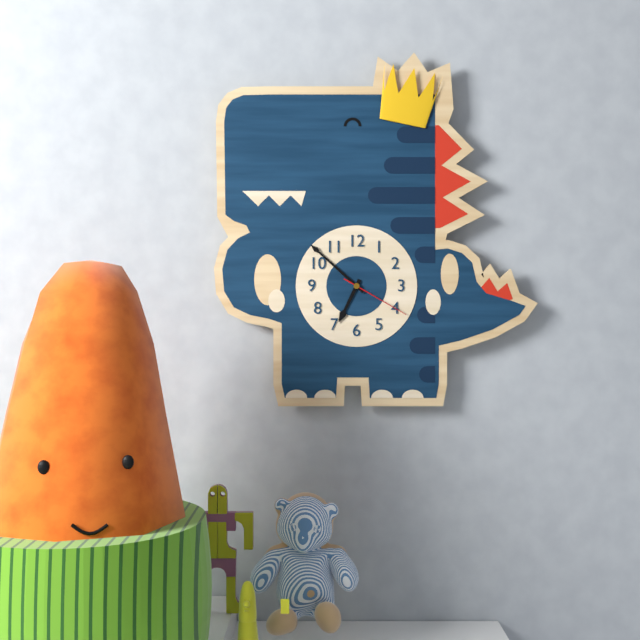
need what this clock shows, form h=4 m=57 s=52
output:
h=6 m=52 s=20
